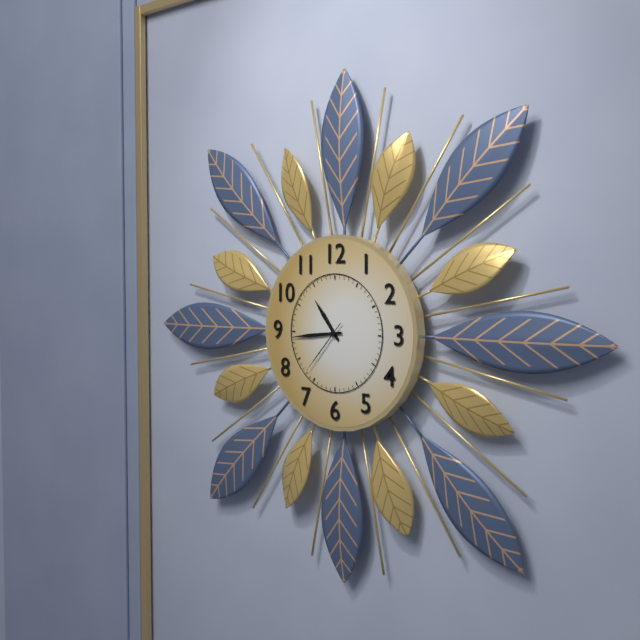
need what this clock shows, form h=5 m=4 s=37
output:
h=10 m=44 s=37
